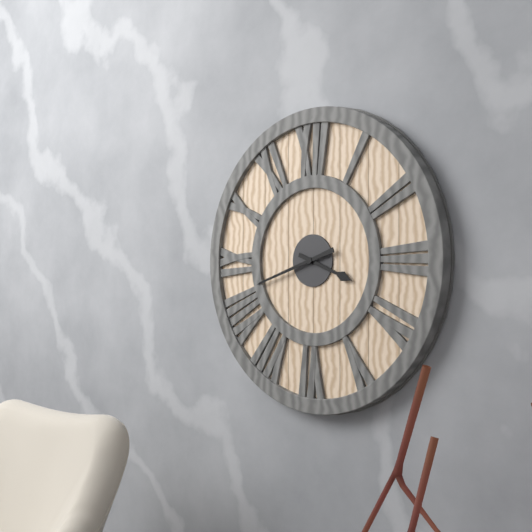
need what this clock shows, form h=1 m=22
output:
h=3 m=42
